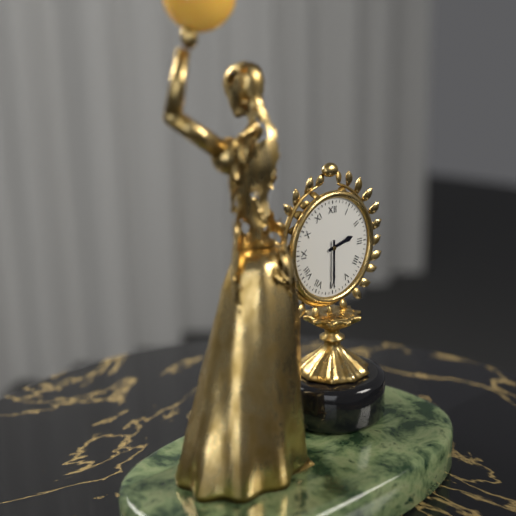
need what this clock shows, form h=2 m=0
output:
h=2 m=30
